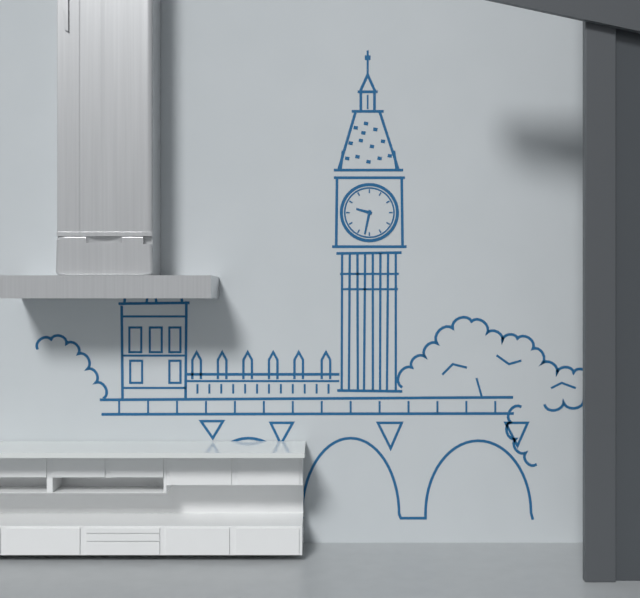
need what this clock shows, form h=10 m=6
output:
h=9 m=32
